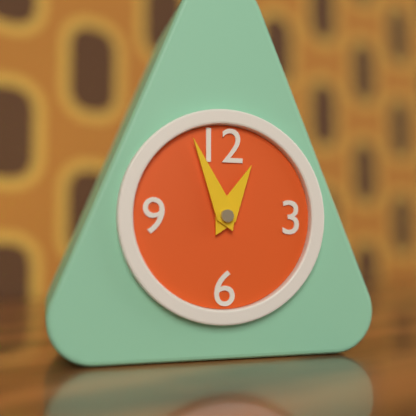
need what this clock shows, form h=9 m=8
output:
h=12 m=56
